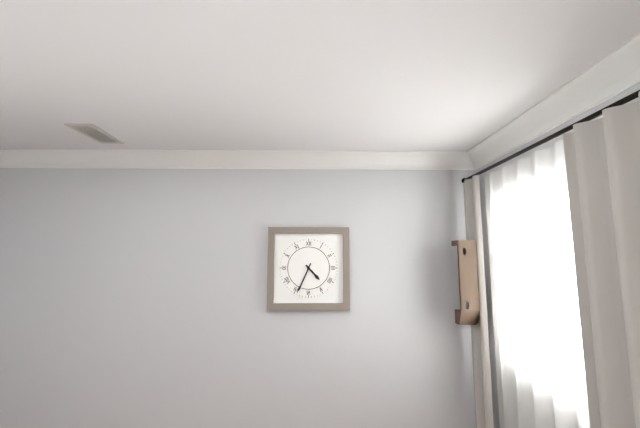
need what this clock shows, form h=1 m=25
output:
h=4 m=34
